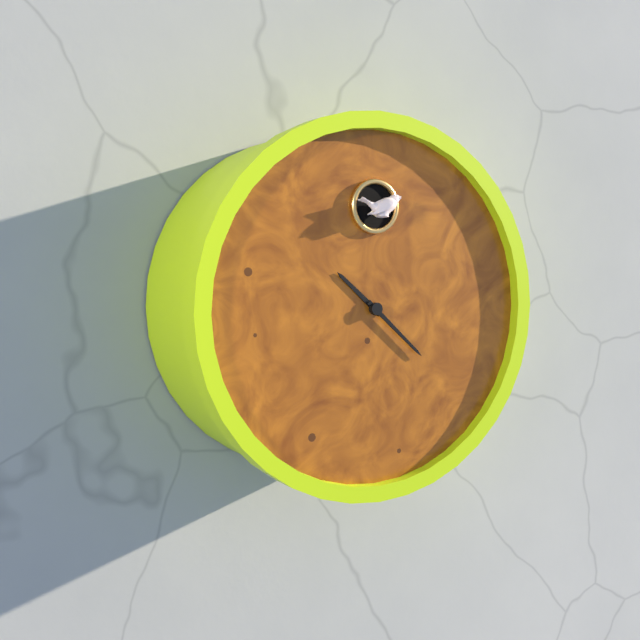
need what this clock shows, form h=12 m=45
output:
h=10 m=22
